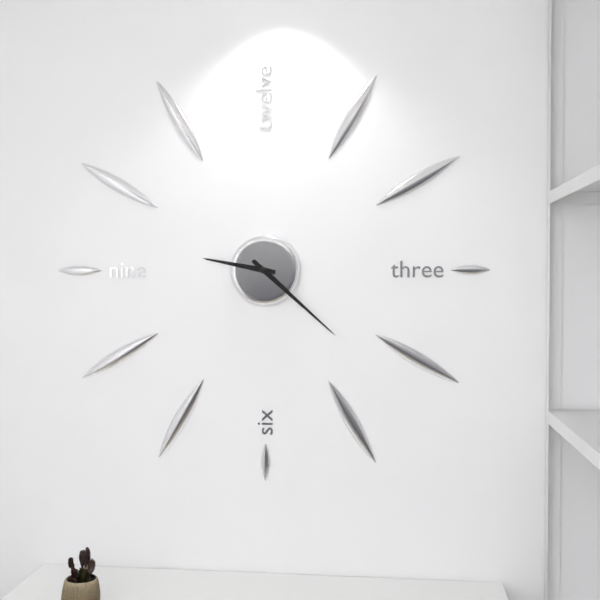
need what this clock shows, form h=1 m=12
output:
h=9 m=22
